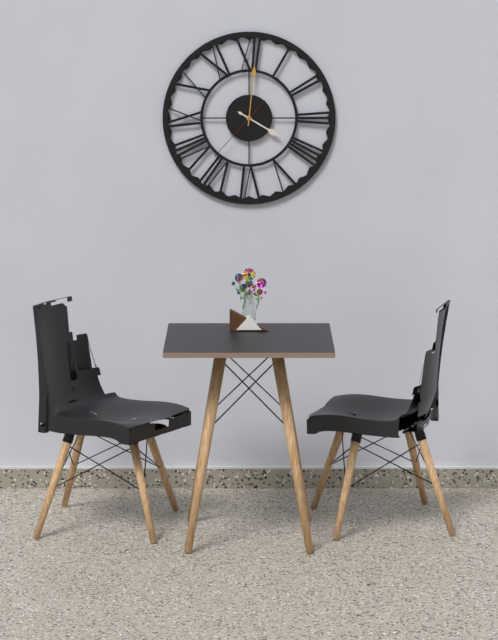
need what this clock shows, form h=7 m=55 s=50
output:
h=4 m=1 s=37
